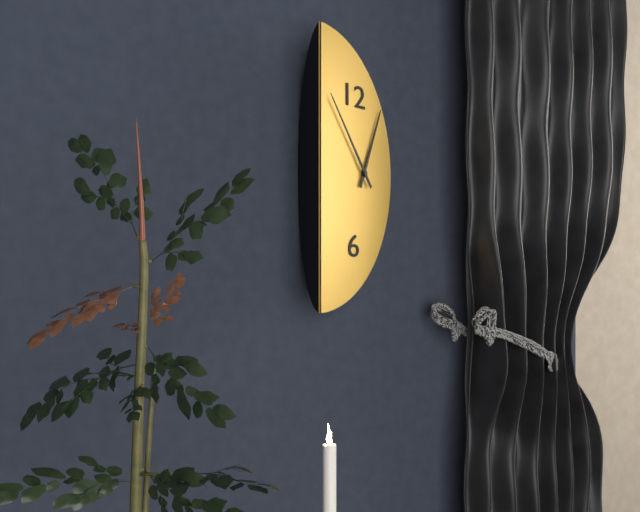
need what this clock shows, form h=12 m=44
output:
h=12 m=53
